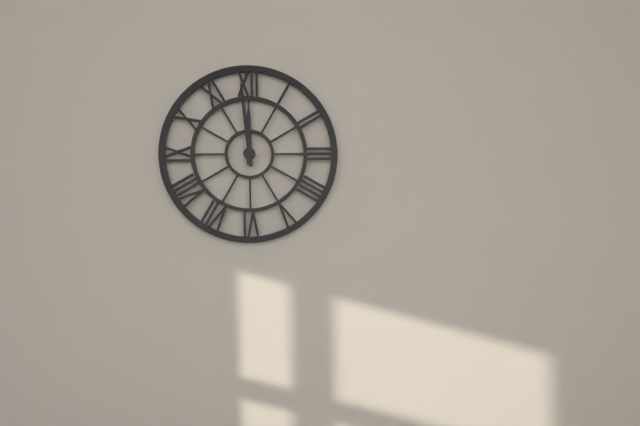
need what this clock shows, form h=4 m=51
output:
h=11 m=59
